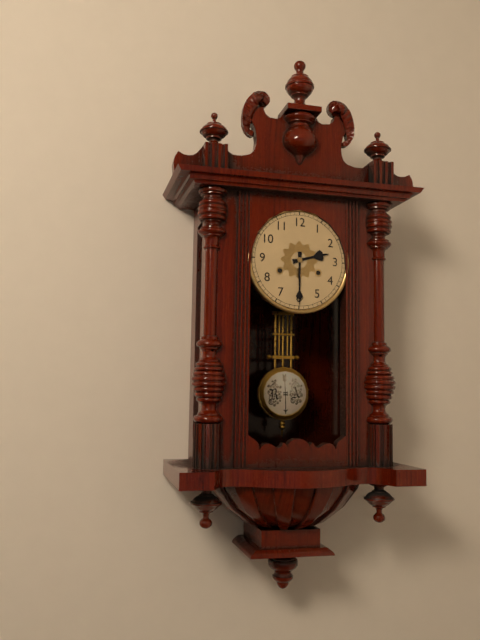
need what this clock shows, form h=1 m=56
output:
h=2 m=30
